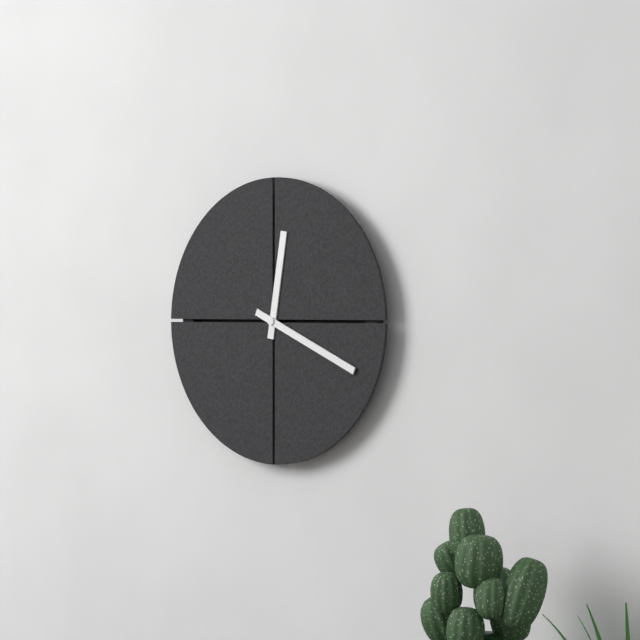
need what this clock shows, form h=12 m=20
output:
h=12 m=19
